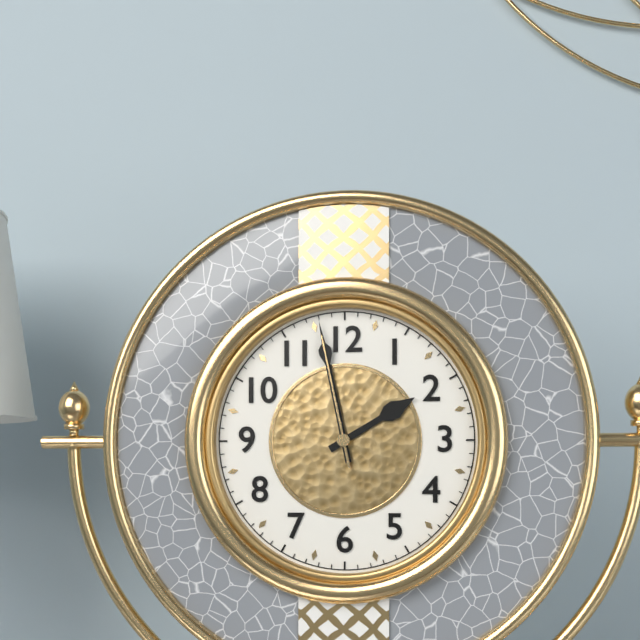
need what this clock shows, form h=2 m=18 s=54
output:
h=1 m=58 s=58
